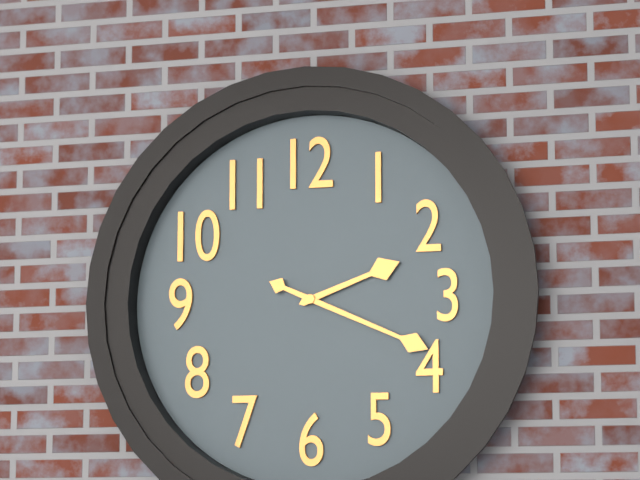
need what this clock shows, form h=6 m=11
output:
h=2 m=19
